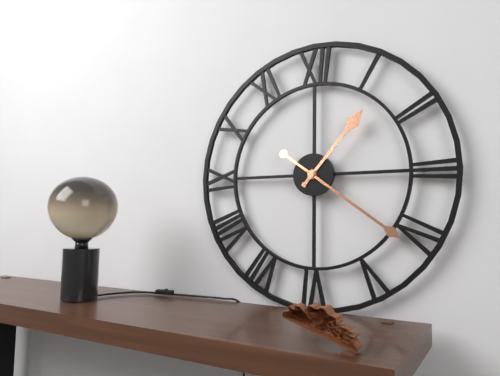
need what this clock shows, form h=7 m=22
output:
h=1 m=21
